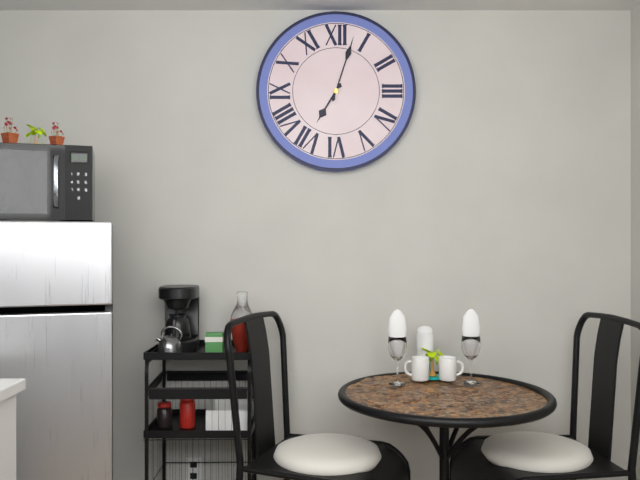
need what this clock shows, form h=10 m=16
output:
h=7 m=3
